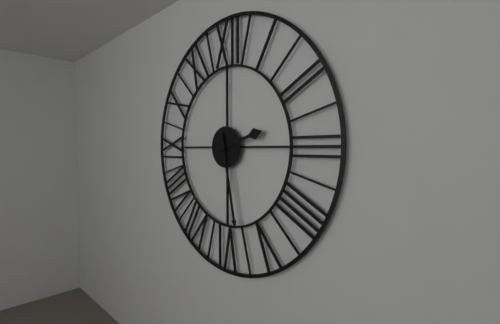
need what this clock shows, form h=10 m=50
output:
h=2 m=28
